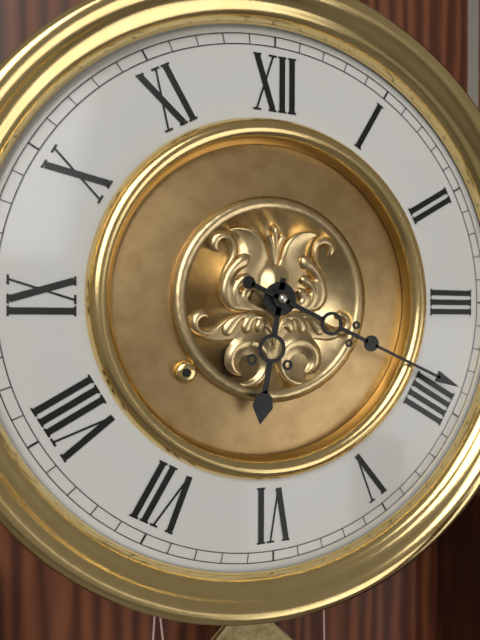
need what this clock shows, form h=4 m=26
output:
h=6 m=19
